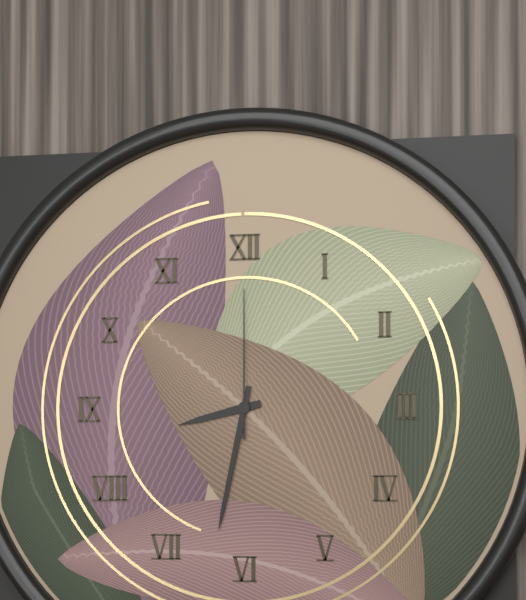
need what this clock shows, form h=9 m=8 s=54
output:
h=8 m=32 s=0
